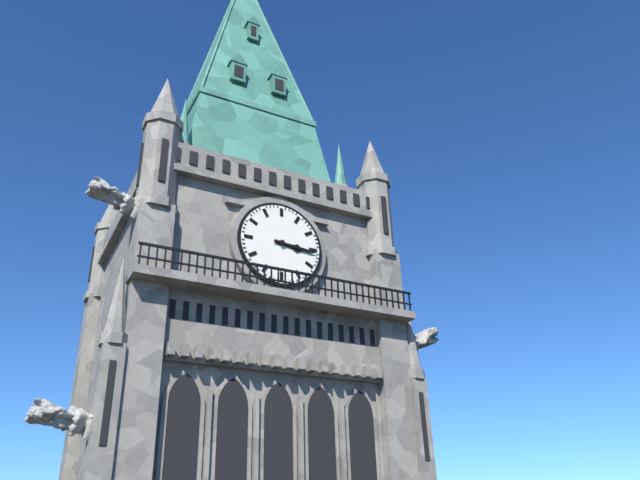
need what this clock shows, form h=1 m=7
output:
h=3 m=16
